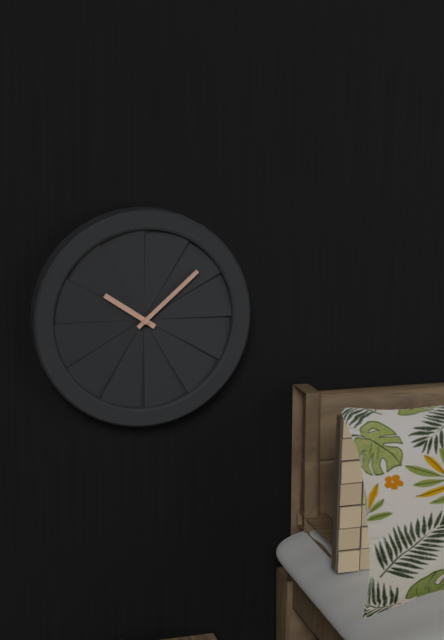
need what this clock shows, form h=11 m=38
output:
h=10 m=8
